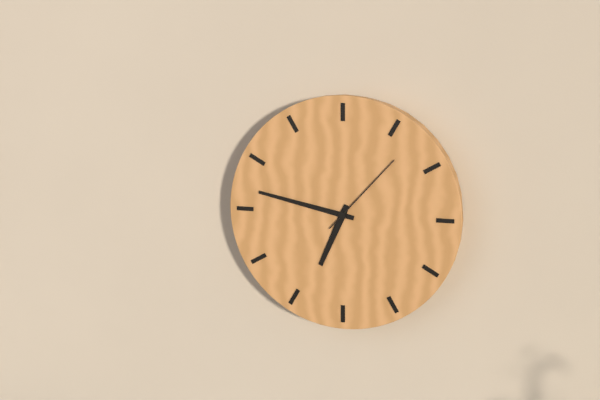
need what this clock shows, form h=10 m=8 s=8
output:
h=6 m=47 s=7
